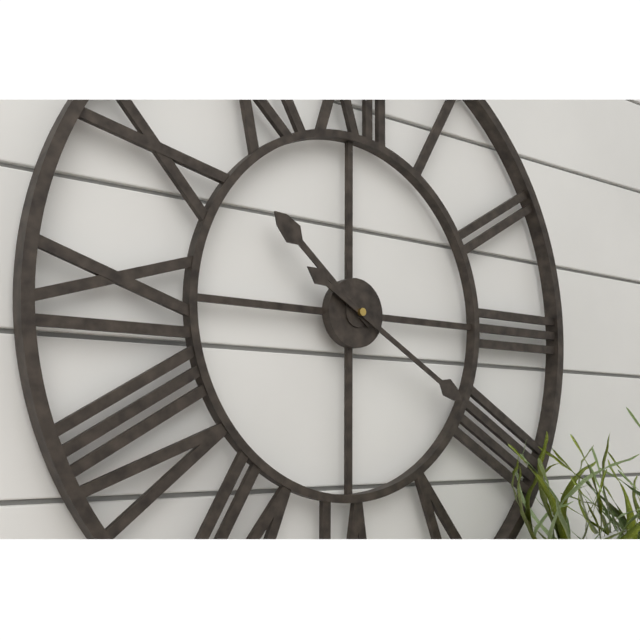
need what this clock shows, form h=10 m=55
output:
h=10 m=20
